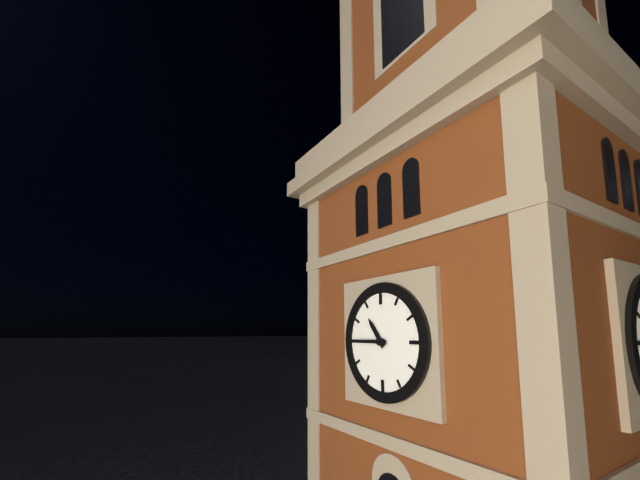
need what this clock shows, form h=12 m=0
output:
h=10 m=45
